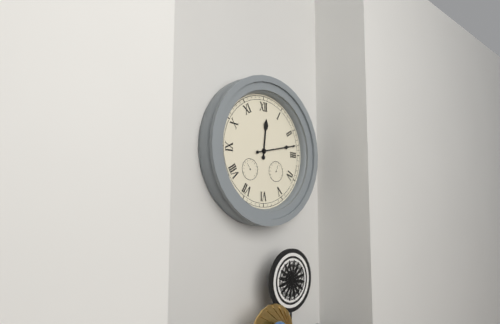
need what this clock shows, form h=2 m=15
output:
h=12 m=13
